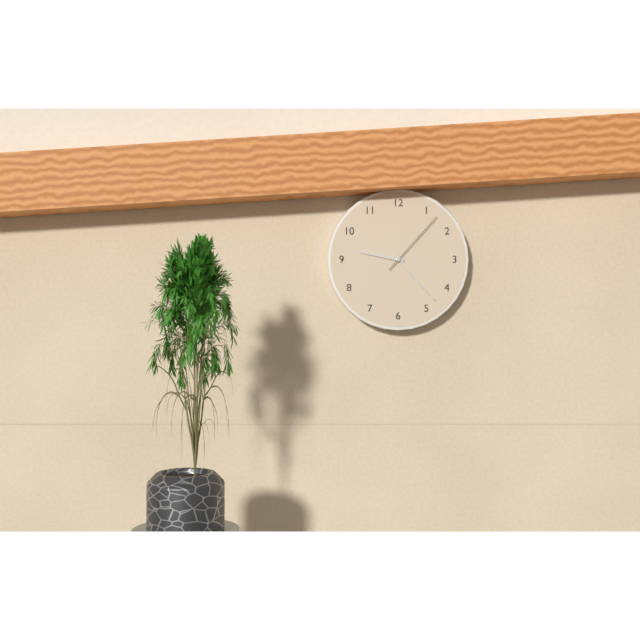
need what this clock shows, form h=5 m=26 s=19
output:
h=9 m=23 s=7
